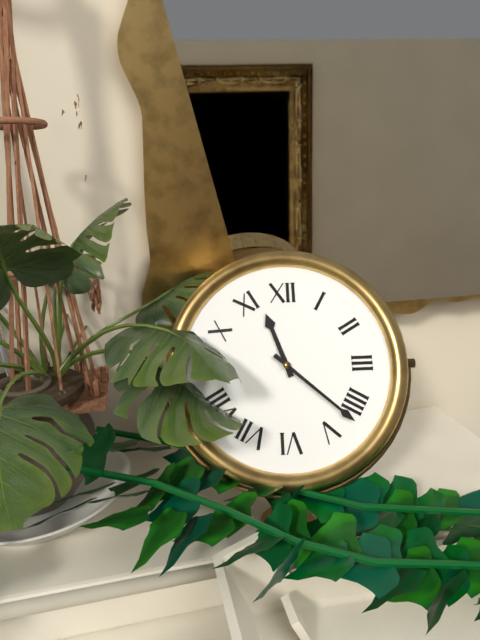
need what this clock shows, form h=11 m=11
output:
h=11 m=22
